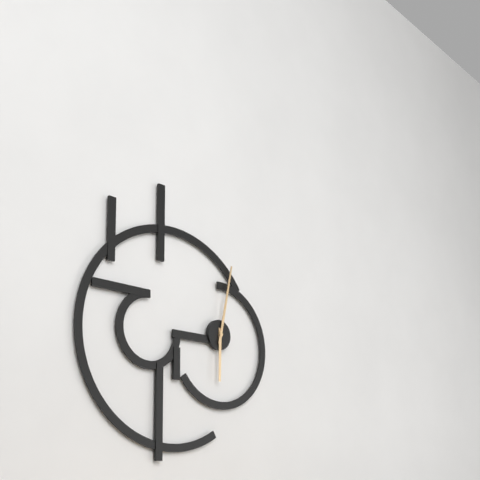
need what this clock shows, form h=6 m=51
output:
h=6 m=2
